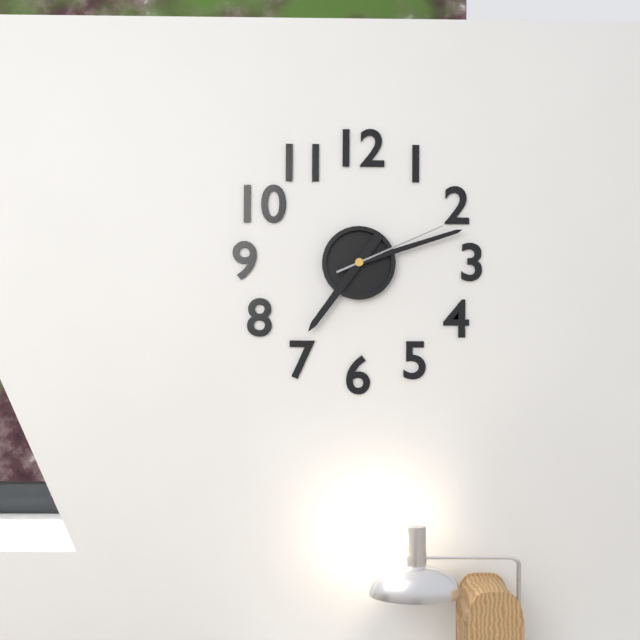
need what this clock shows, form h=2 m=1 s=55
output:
h=7 m=12 s=11
